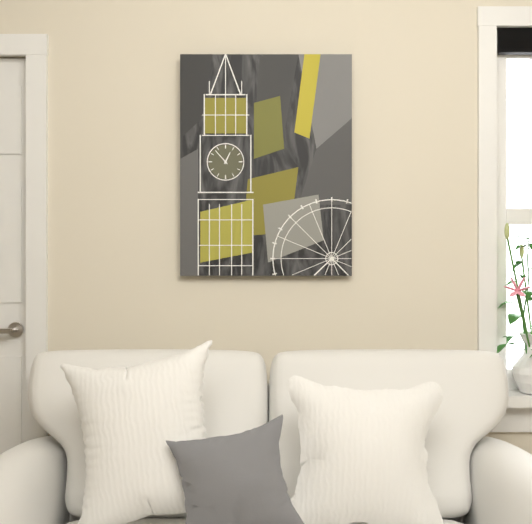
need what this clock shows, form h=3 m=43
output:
h=12 m=53
